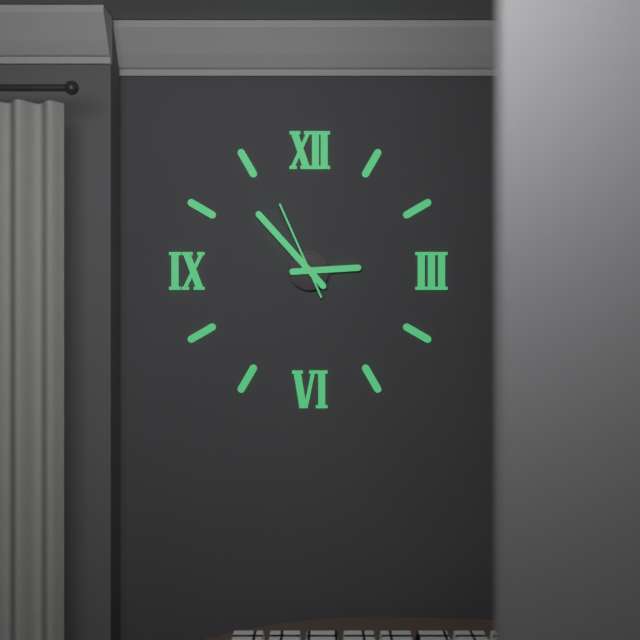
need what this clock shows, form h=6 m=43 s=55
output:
h=2 m=53 s=56
